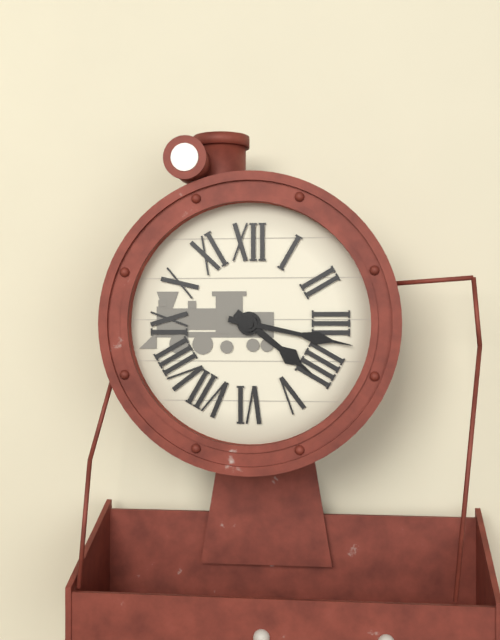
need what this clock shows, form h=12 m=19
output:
h=4 m=17
